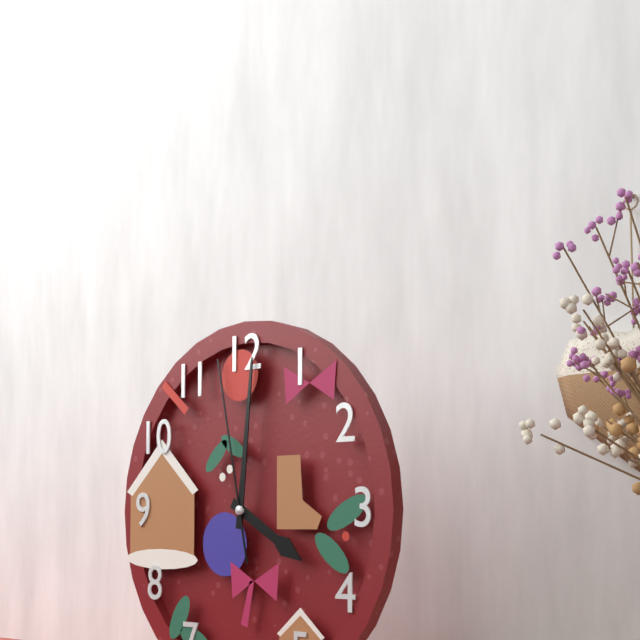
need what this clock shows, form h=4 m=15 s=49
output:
h=4 m=1 s=58
